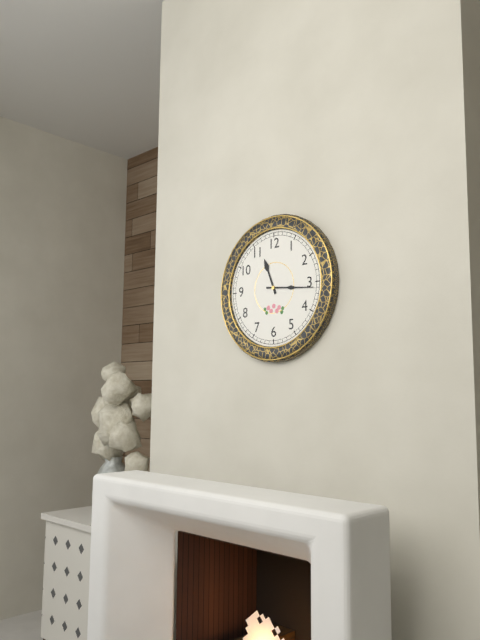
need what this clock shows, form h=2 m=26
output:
h=11 m=16
